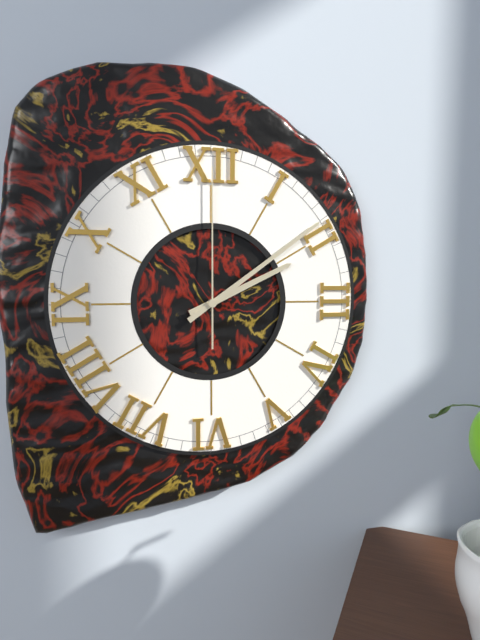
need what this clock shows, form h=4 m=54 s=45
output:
h=2 m=9 s=0
